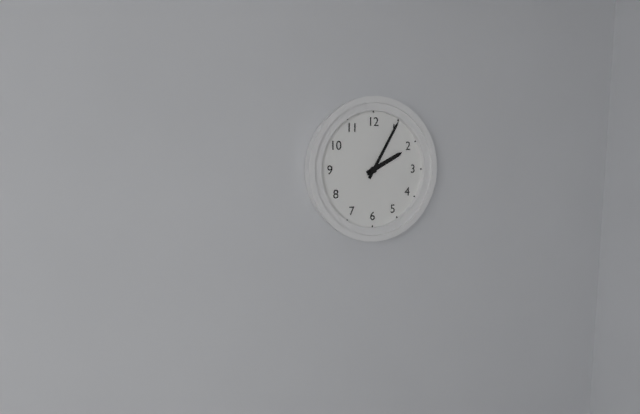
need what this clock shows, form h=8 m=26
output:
h=2 m=5
